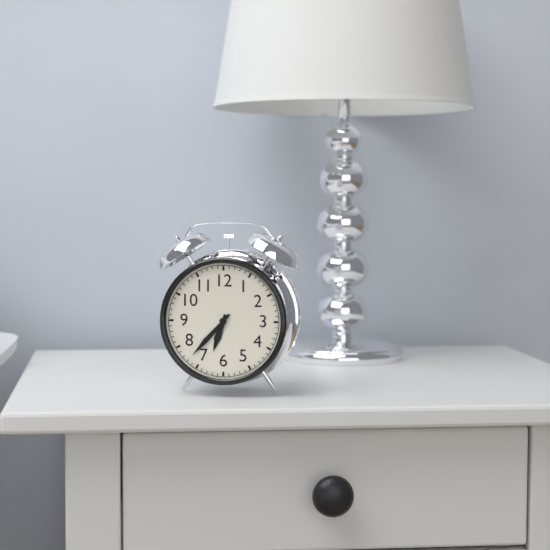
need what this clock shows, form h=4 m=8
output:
h=6 m=37
